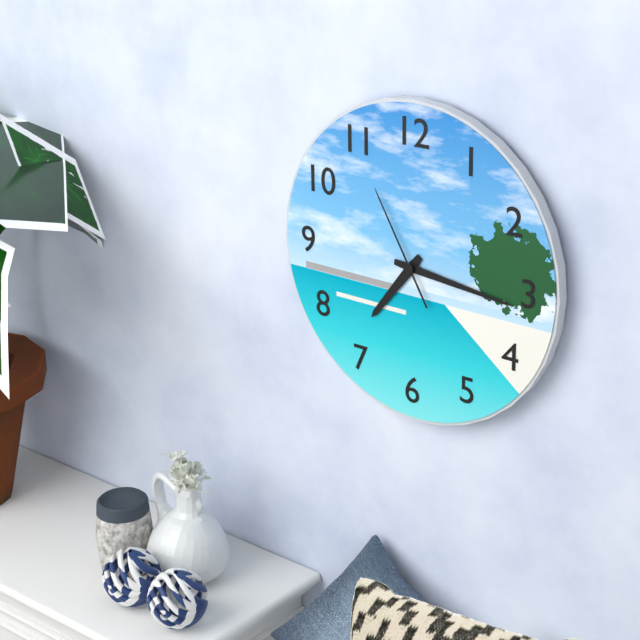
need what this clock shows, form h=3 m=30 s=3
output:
h=7 m=16 s=55
